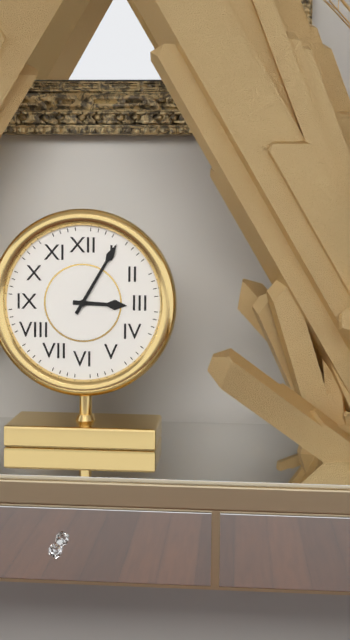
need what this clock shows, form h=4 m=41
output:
h=3 m=5
